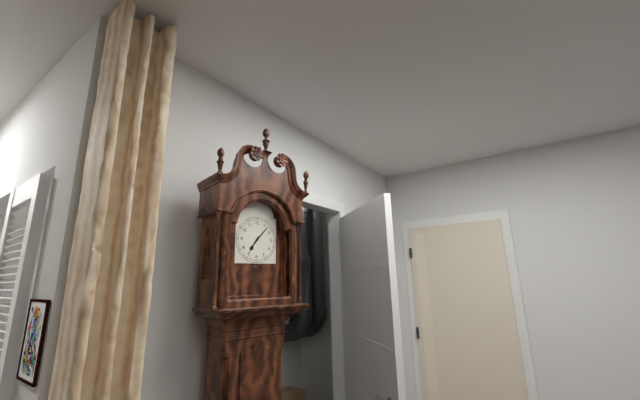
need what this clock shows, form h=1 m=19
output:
h=7 m=7
